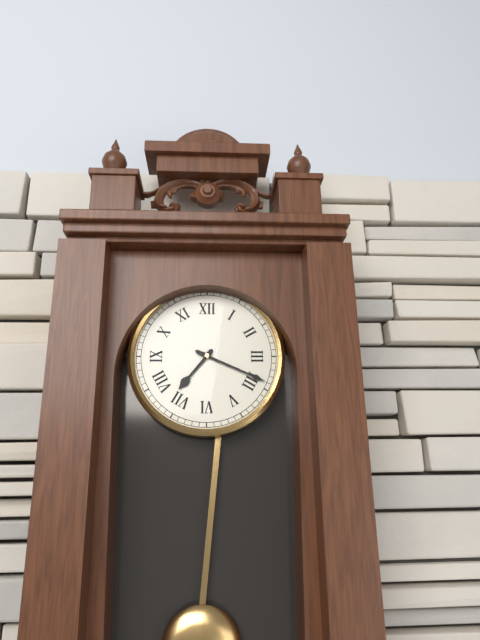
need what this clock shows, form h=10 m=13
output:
h=7 m=19
